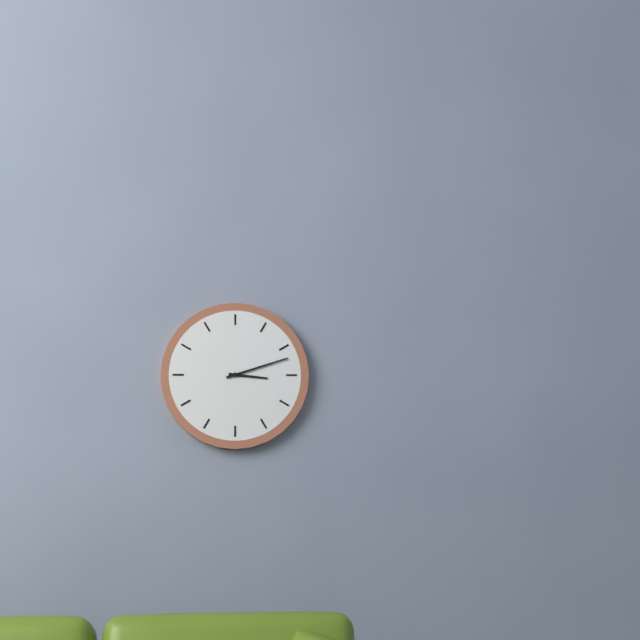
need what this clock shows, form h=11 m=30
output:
h=3 m=12
